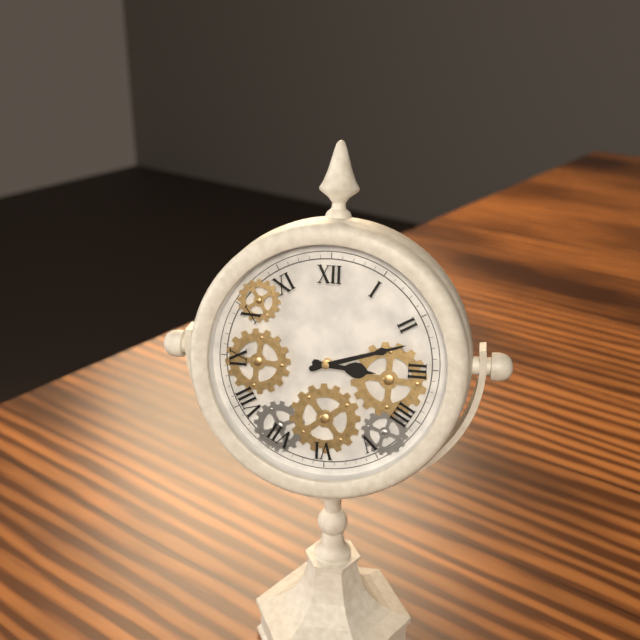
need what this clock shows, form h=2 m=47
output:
h=3 m=12
